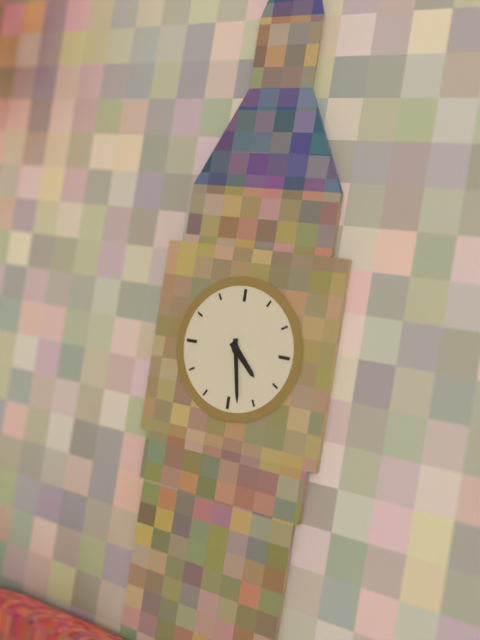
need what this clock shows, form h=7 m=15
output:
h=4 m=28
